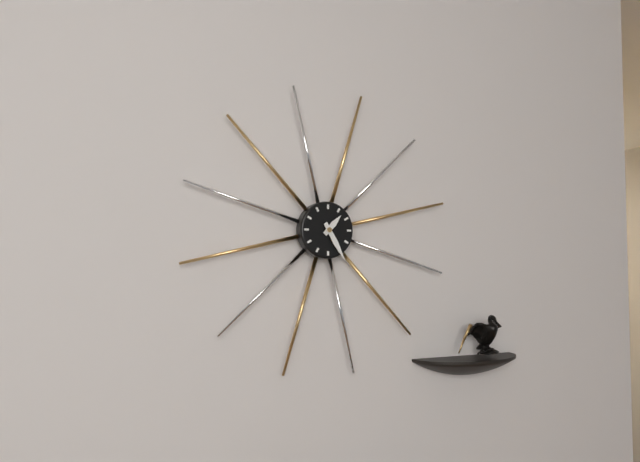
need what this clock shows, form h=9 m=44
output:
h=1 m=25
